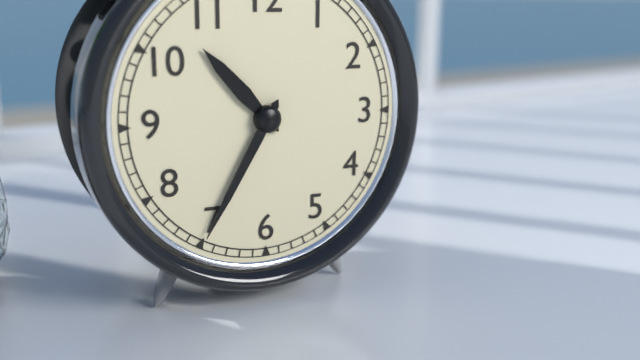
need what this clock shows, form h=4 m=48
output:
h=10 m=35
